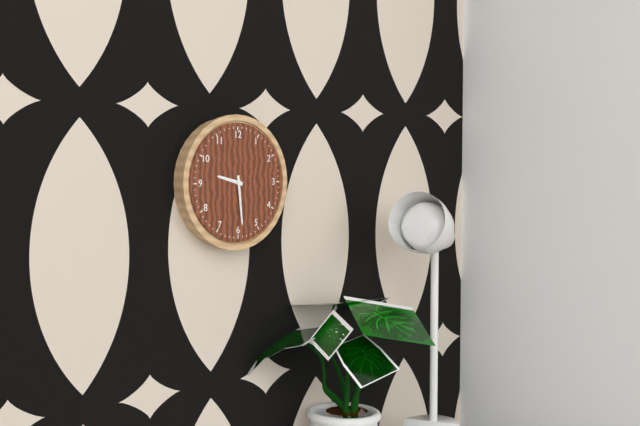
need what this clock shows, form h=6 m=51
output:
h=9 m=29
